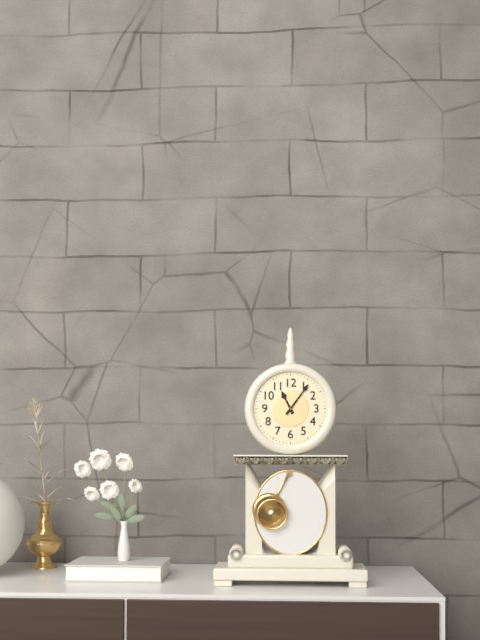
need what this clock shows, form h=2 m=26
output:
h=11 m=6
